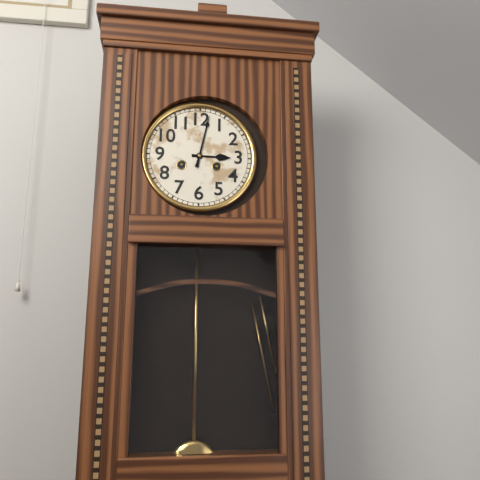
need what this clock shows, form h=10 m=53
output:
h=3 m=2
